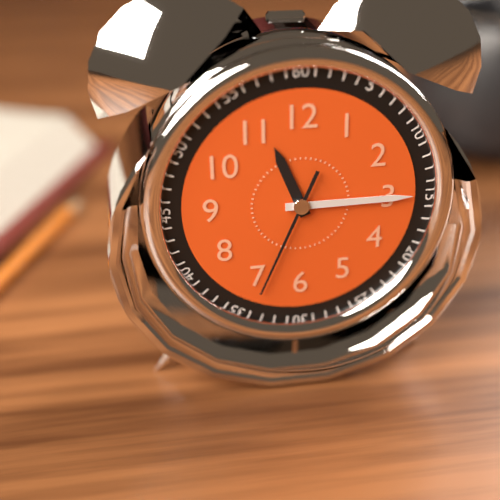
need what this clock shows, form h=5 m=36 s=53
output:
h=11 m=15 s=34
